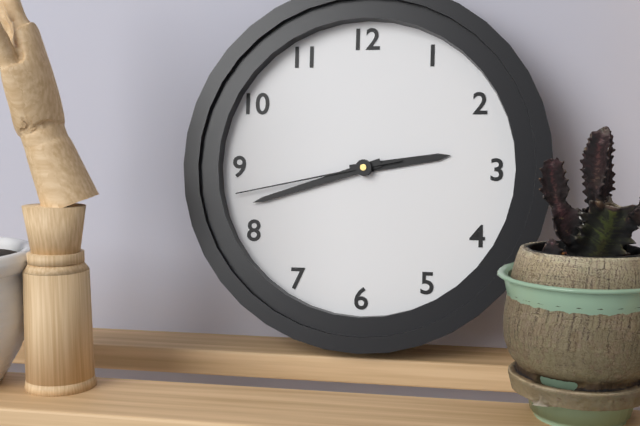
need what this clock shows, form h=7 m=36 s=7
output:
h=2 m=42 s=43
